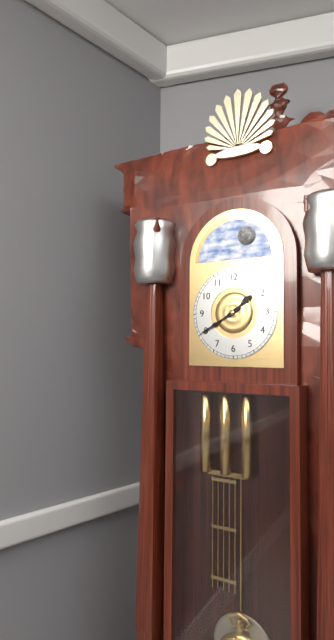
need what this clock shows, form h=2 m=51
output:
h=1 m=40
